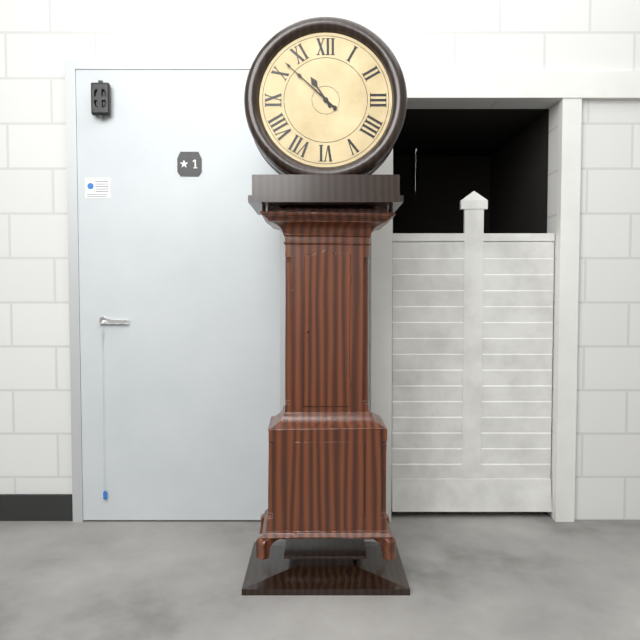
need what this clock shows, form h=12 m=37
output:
h=10 m=52
